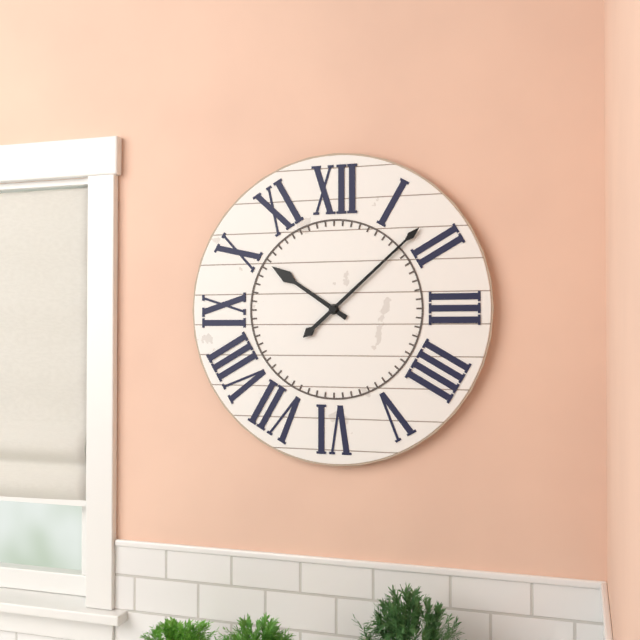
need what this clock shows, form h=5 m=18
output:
h=10 m=8
